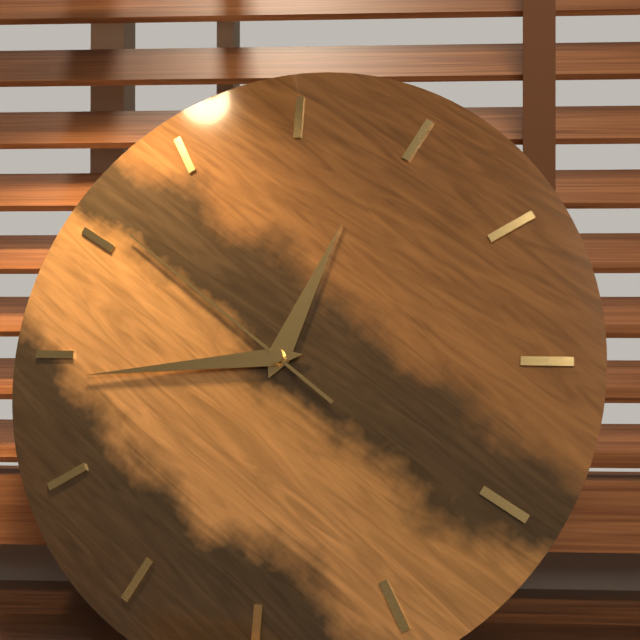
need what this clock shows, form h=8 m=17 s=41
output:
h=12 m=44 s=51
